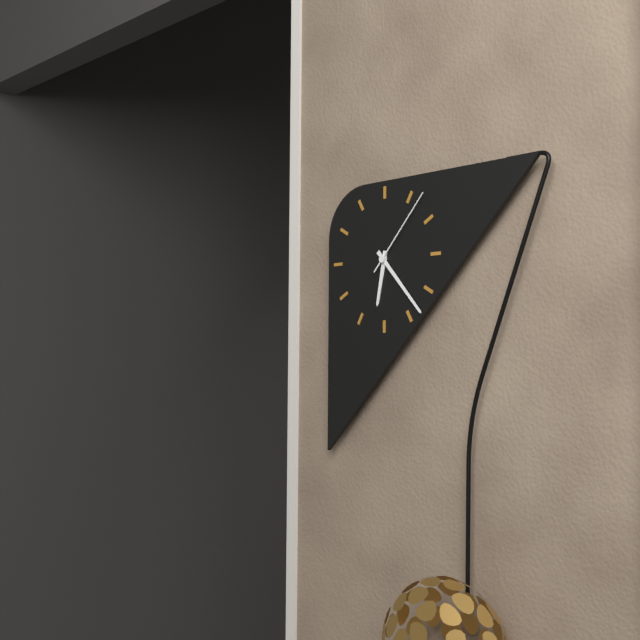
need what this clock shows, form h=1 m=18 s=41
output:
h=6 m=23 s=7
